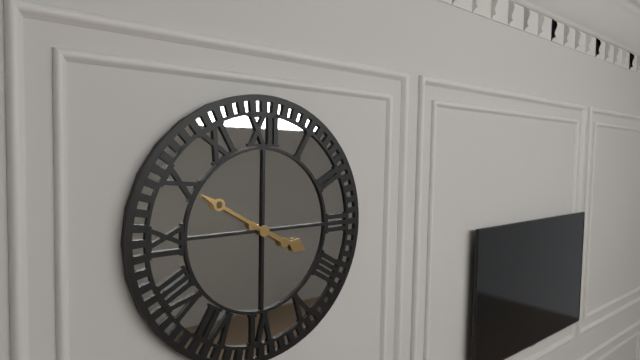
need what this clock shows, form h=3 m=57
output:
h=3 m=50
